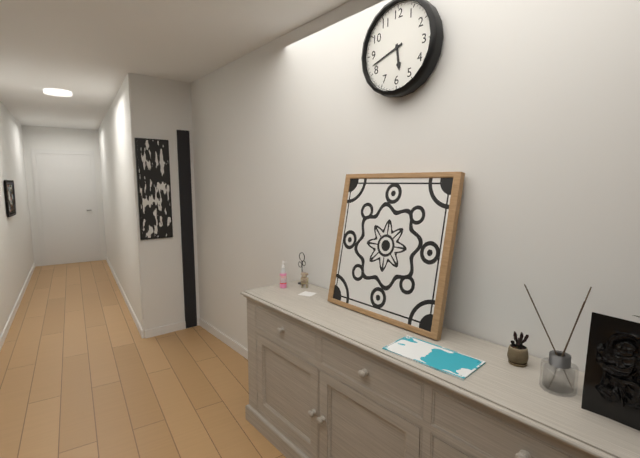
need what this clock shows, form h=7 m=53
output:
h=5 m=42
